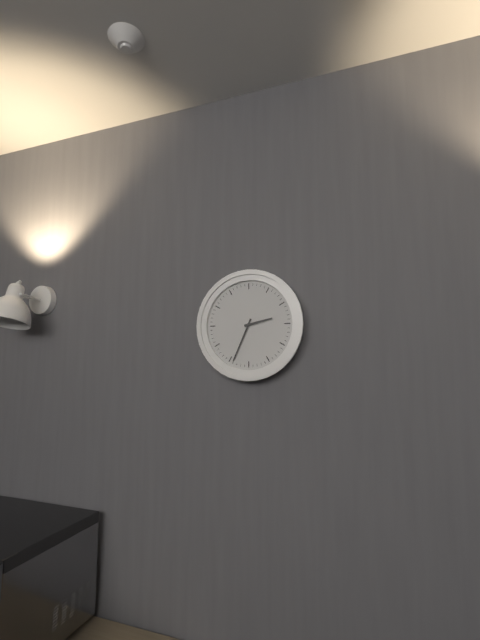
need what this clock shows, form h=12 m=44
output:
h=2 m=34
